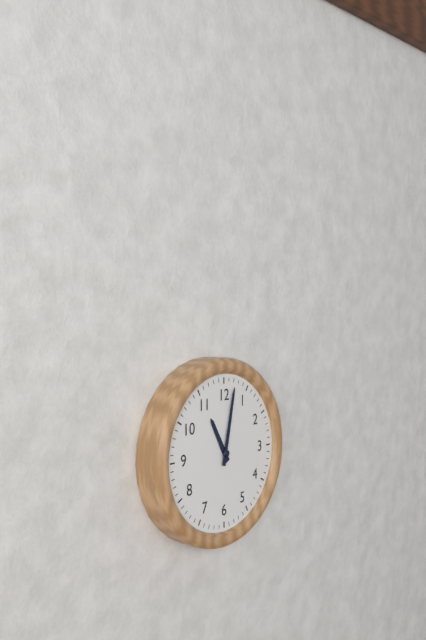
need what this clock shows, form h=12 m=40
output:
h=11 m=2
